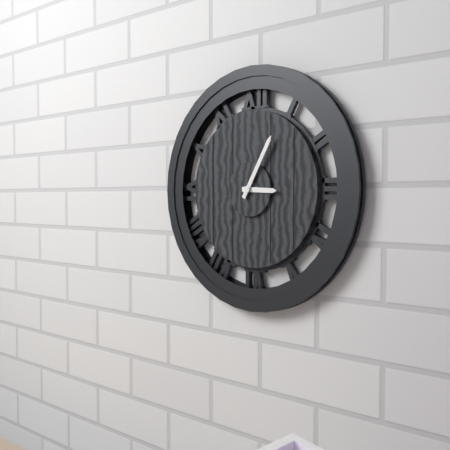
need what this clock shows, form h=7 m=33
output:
h=3 m=5
